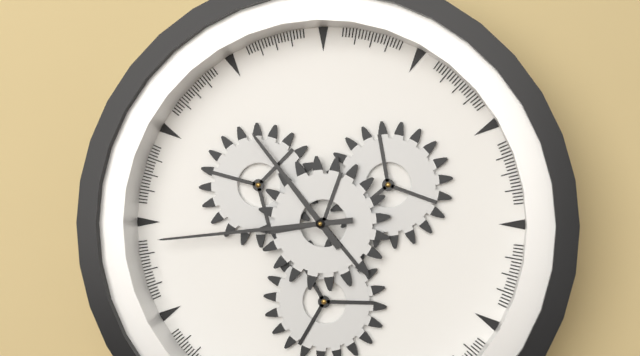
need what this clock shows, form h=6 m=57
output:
h=10 m=44
